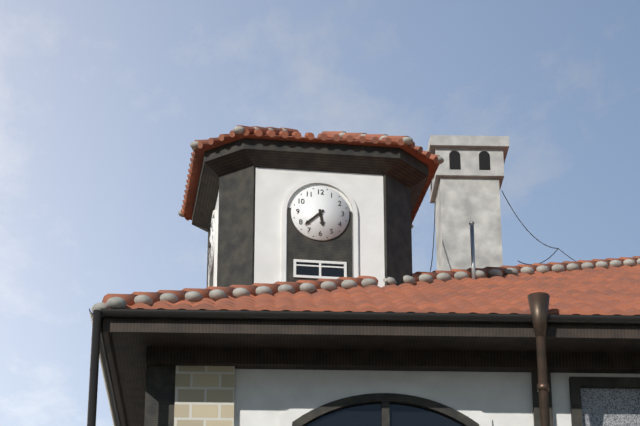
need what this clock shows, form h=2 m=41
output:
h=5 m=38
